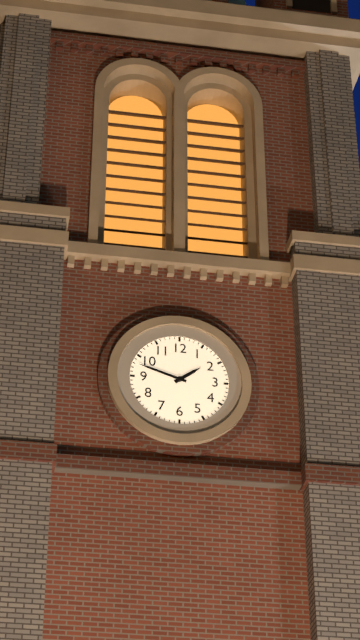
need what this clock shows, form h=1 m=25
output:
h=1 m=48
